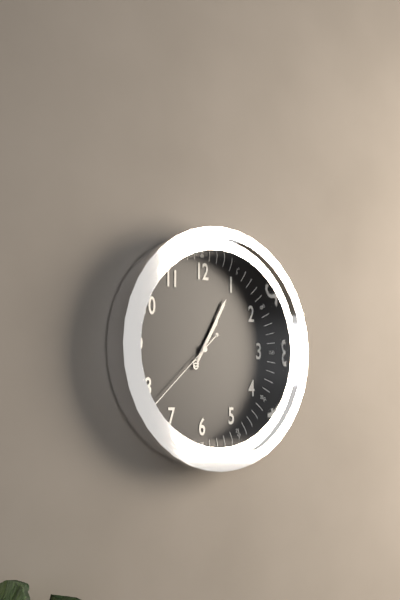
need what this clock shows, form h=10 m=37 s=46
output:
h=1 m=5 s=38
